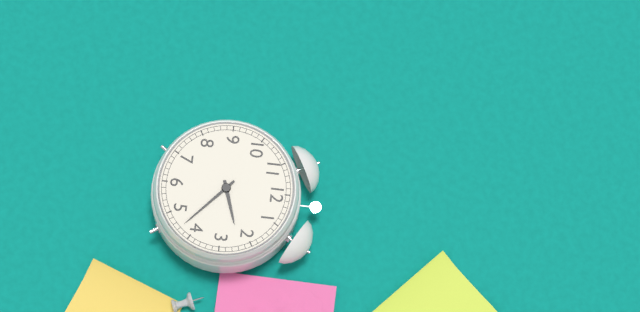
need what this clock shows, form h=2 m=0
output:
h=2 m=22
